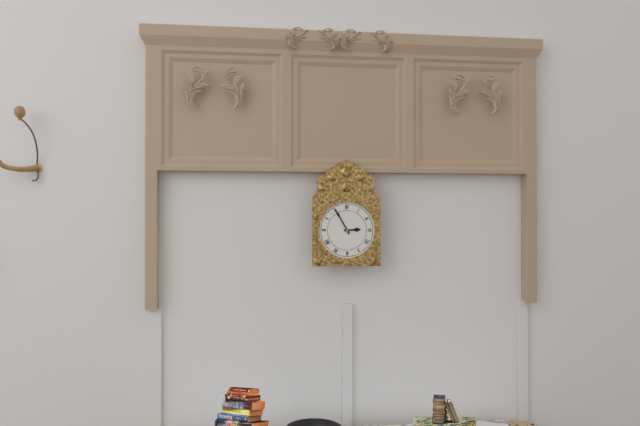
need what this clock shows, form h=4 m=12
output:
h=2 m=55
